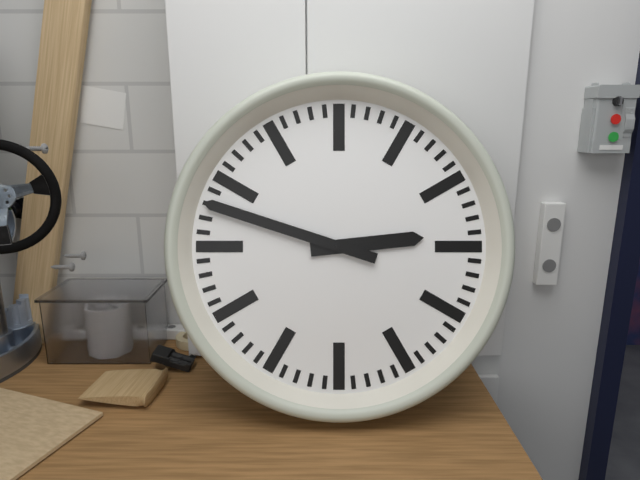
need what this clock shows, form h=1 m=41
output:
h=2 m=48
